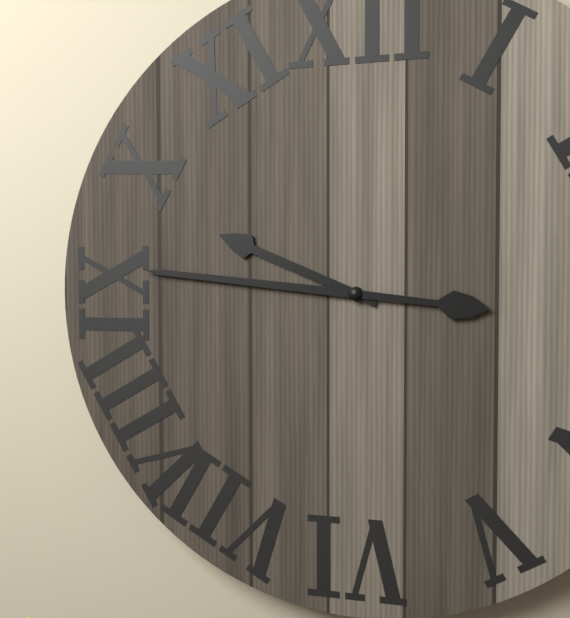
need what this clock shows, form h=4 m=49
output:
h=9 m=46
